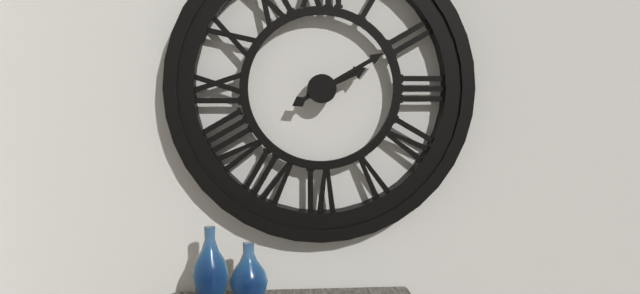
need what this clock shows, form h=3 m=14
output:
h=2 m=10
